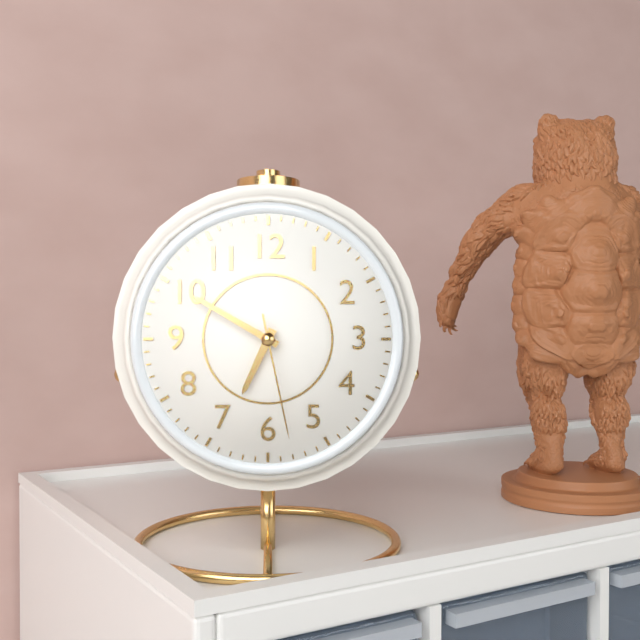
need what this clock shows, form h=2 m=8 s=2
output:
h=6 m=50 s=28
